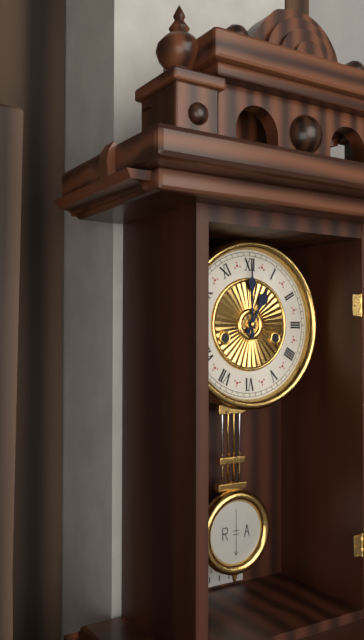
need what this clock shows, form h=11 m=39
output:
h=1 m=0
